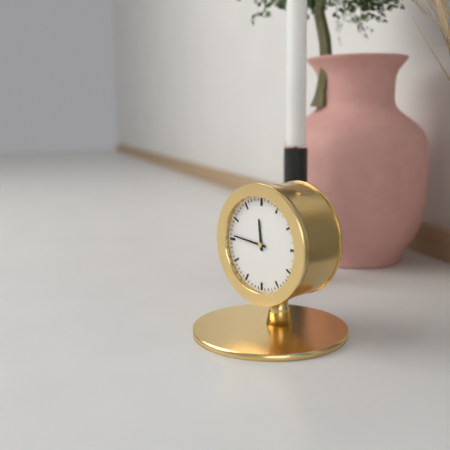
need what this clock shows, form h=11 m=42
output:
h=11 m=46
